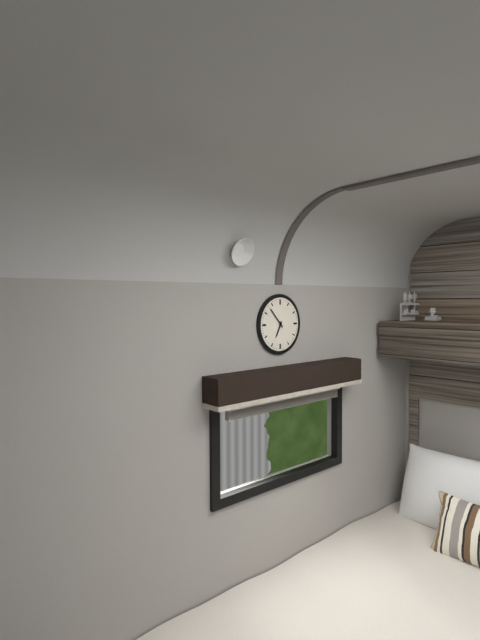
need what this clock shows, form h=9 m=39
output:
h=6 m=53
